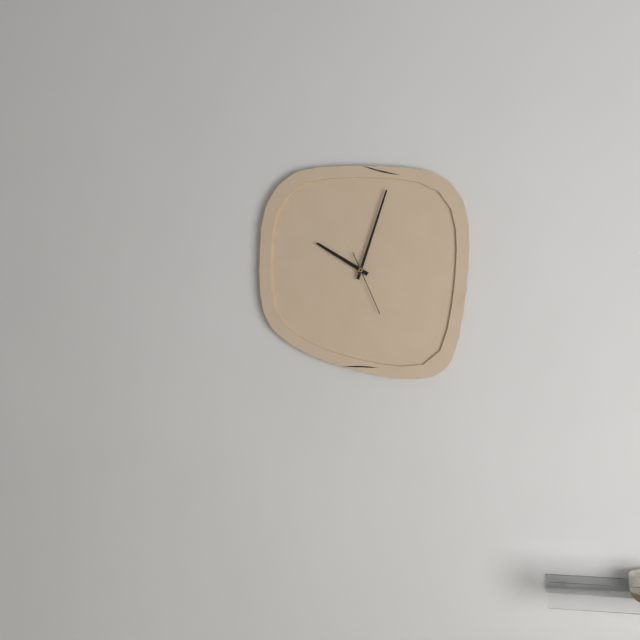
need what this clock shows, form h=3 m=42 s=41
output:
h=10 m=3 s=26
